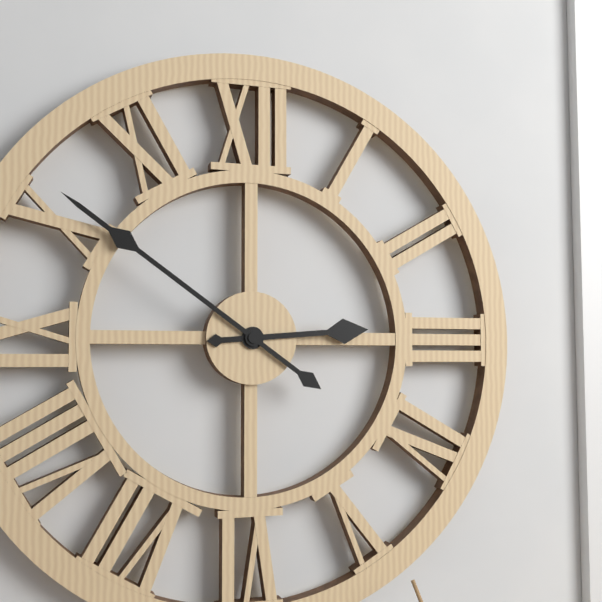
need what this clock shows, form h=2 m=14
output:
h=2 m=51
